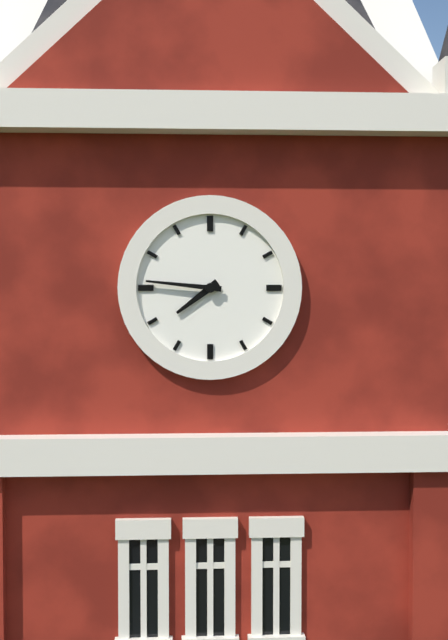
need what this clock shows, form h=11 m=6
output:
h=7 m=46
